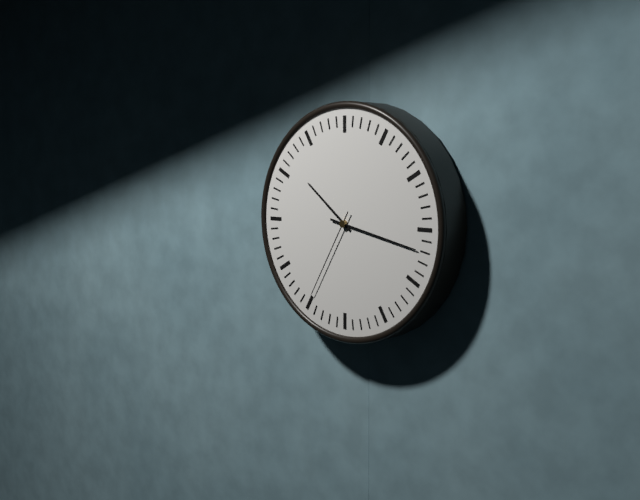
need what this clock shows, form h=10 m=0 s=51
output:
h=10 m=17 s=35
